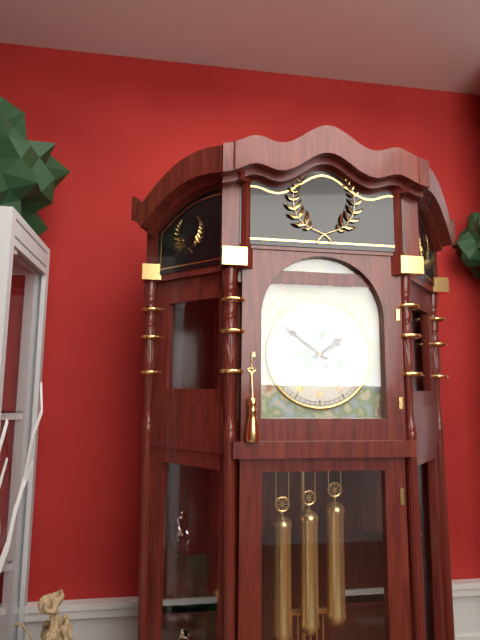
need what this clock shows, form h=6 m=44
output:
h=1 m=51
